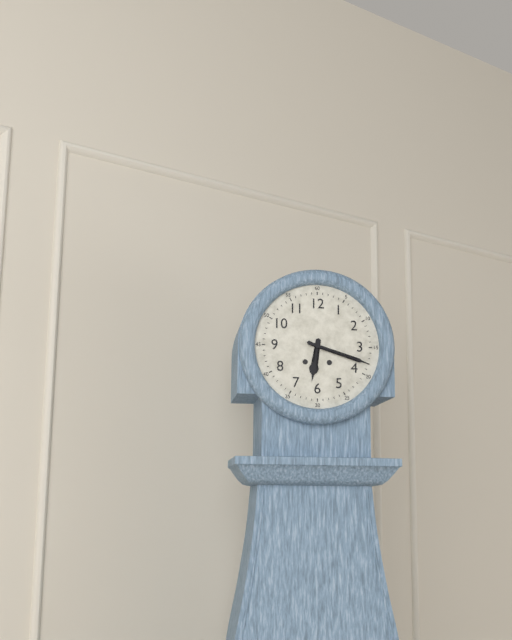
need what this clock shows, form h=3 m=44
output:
h=6 m=18
